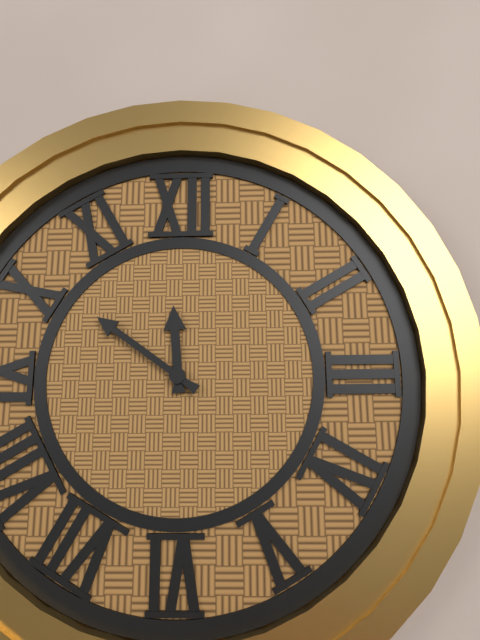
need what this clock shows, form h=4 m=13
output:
h=11 m=51
